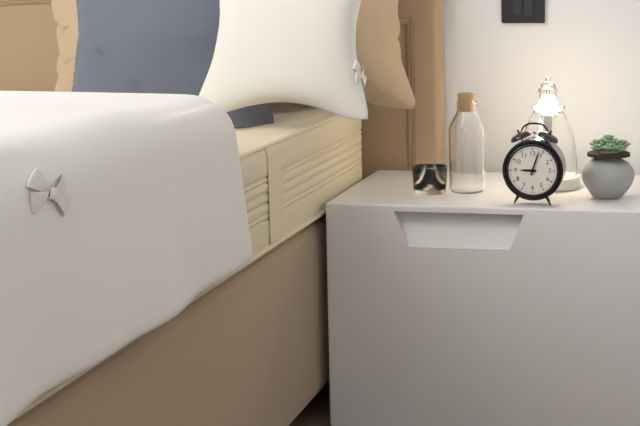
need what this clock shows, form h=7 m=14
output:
h=9 m=3
